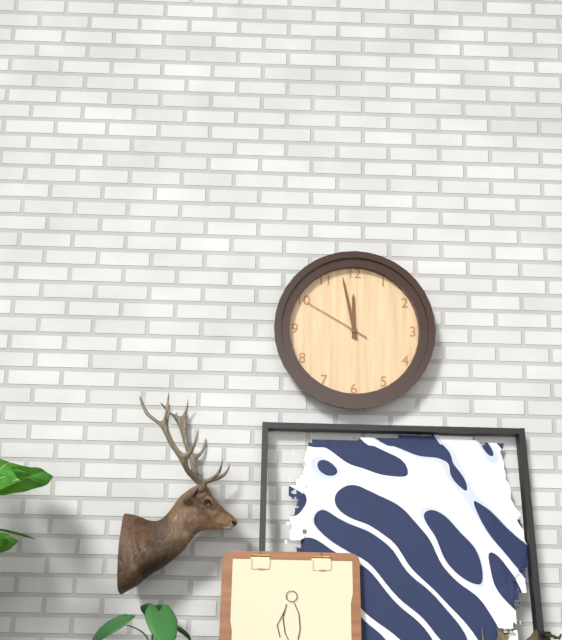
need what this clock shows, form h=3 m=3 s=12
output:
h=11 m=58 s=50
